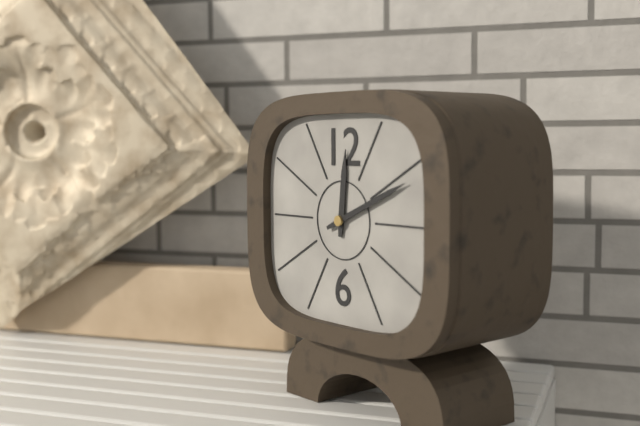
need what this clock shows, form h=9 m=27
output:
h=12 m=11
